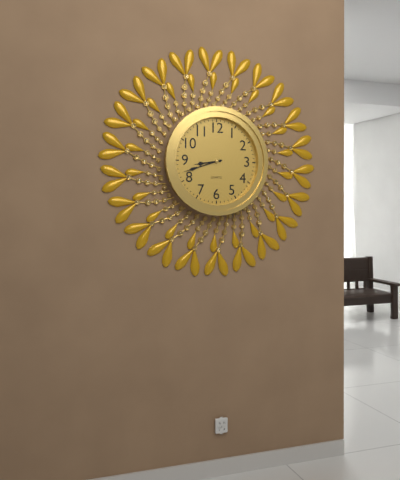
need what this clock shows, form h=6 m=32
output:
h=8 m=42
